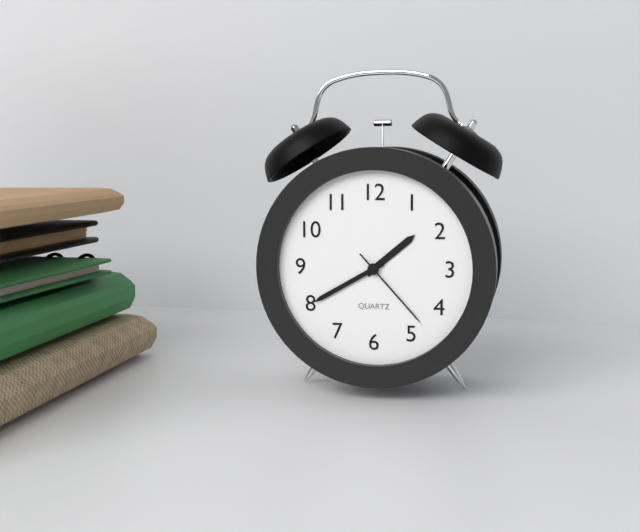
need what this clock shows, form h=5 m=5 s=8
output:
h=1 m=40 s=23
